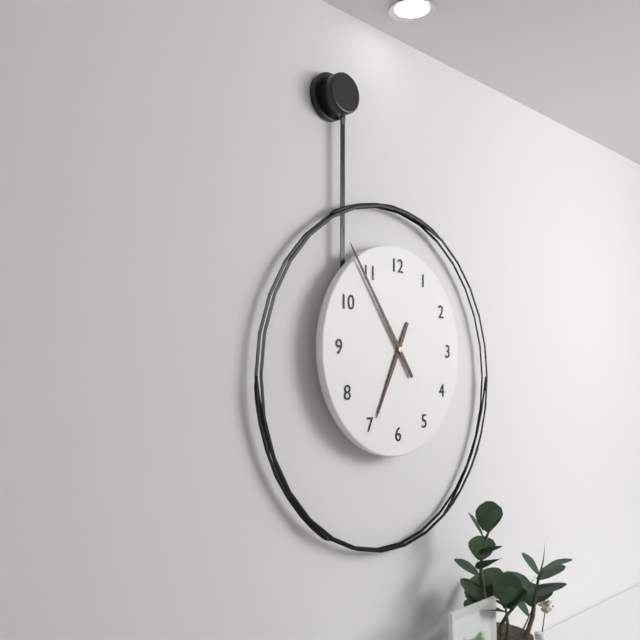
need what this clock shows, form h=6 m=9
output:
h=6 m=54
